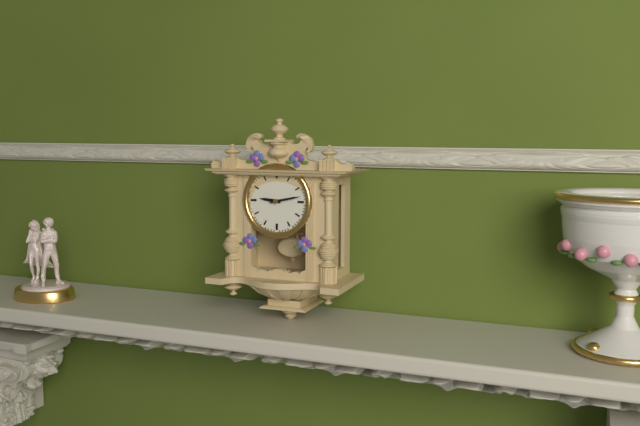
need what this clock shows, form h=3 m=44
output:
h=9 m=13
